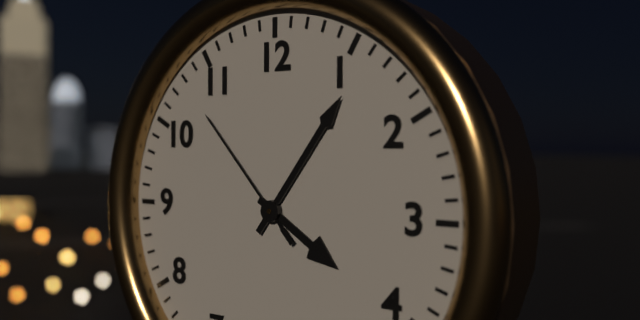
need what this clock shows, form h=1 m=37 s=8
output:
h=4 m=6 s=53
